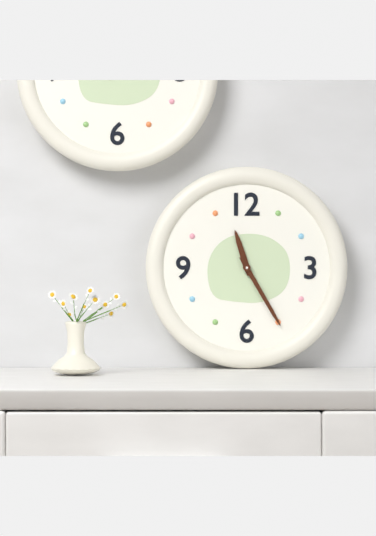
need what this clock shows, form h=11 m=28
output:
h=11 m=25
